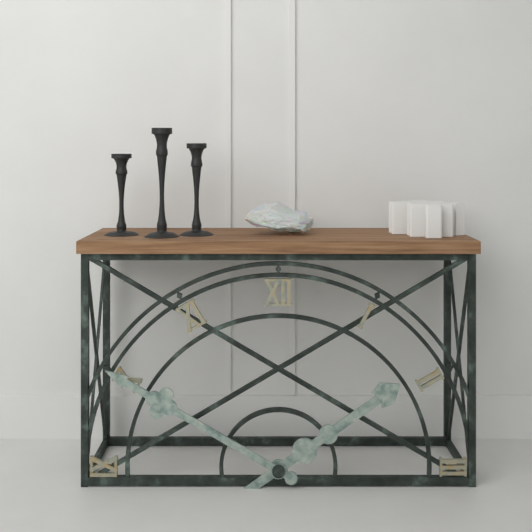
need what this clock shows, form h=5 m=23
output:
h=1 m=50
